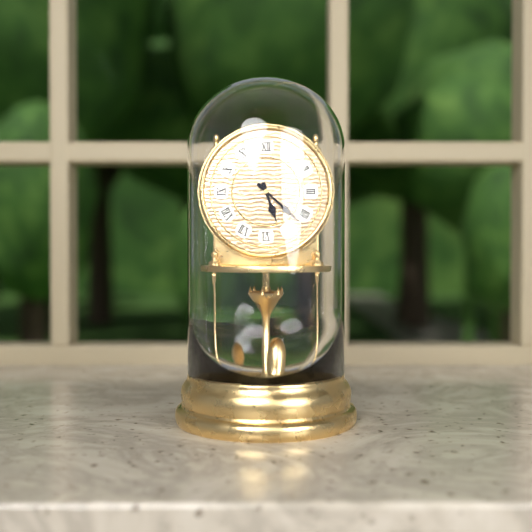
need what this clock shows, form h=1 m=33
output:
h=5 m=22
